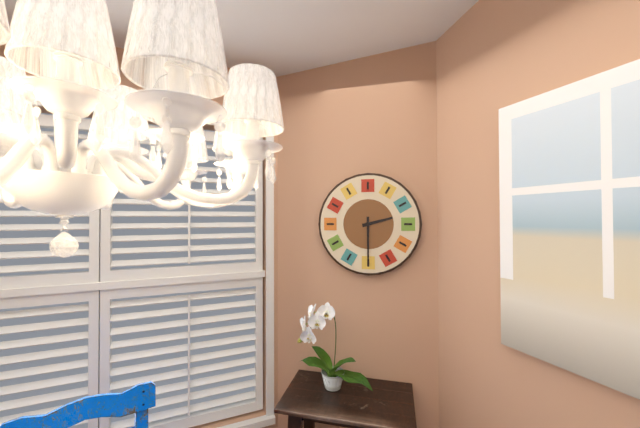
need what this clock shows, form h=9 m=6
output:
h=2 m=30
